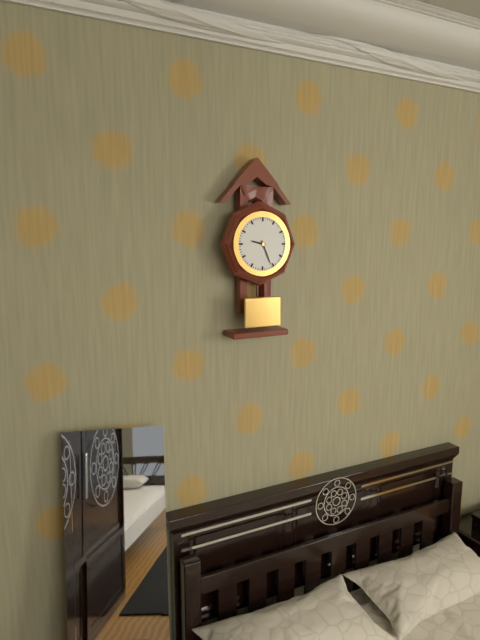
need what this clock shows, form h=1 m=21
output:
h=9 m=26
